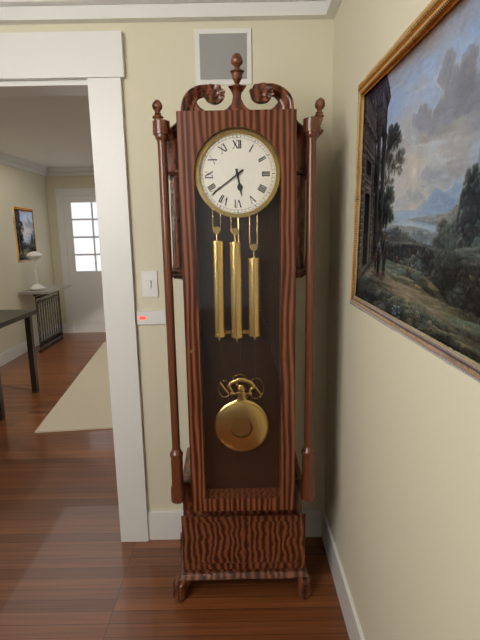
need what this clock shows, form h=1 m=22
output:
h=5 m=39
